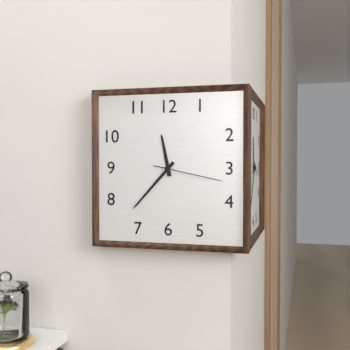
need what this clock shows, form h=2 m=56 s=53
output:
h=11 m=37 s=17
